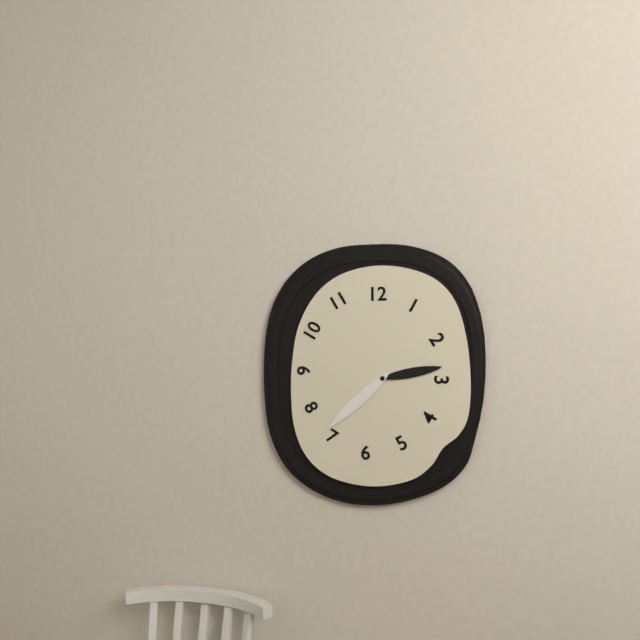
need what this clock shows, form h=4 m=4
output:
h=2 m=38
